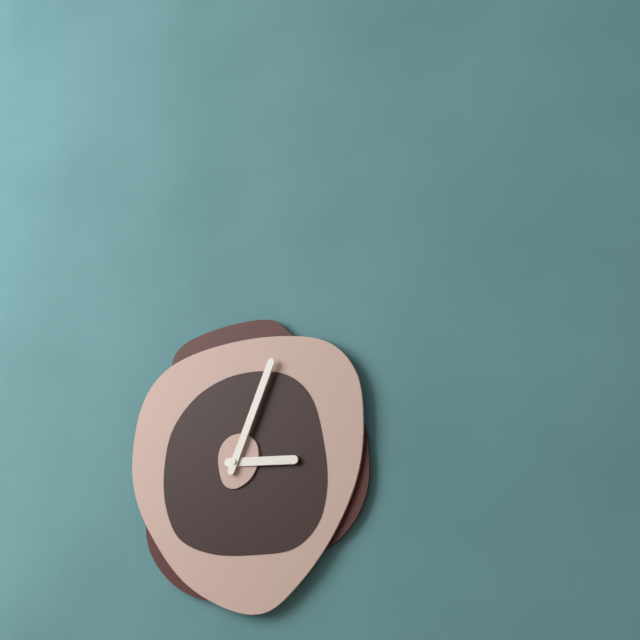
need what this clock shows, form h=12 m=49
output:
h=3 m=4
